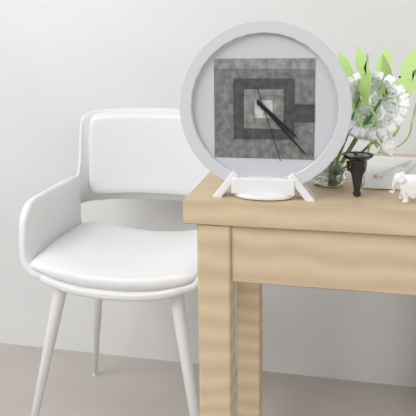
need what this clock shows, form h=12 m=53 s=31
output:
h=4 m=23 s=27
